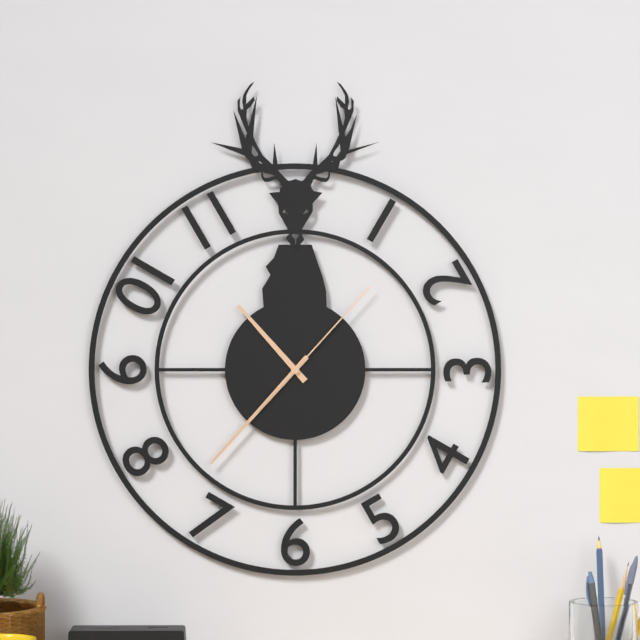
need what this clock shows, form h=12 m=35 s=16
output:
h=10 m=37 s=7
